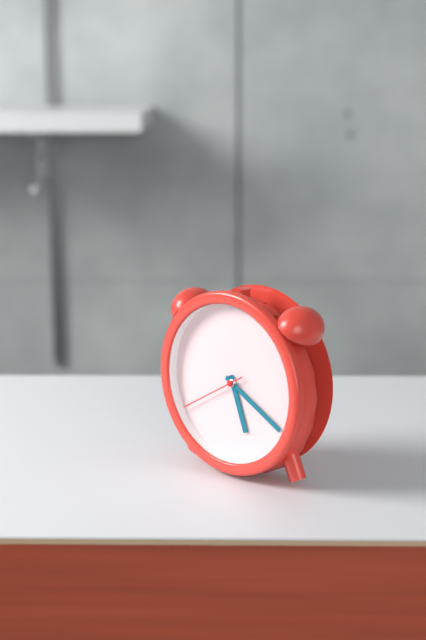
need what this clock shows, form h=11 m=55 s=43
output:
h=5 m=20 s=40
